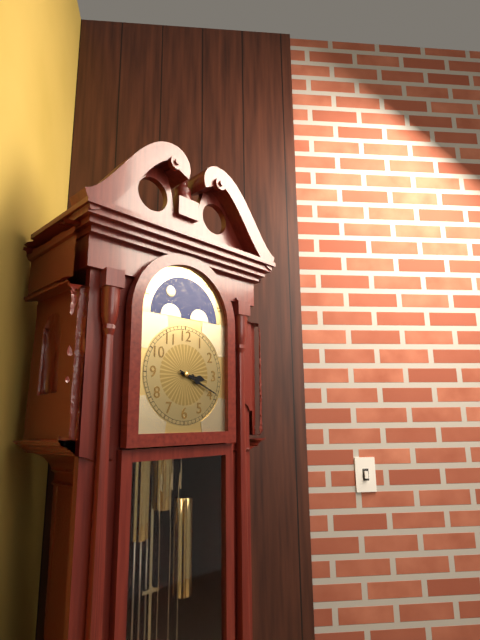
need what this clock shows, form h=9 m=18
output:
h=3 m=19
